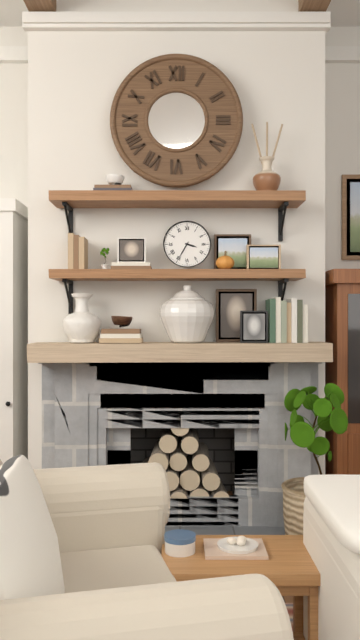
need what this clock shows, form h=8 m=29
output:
h=3 m=35
